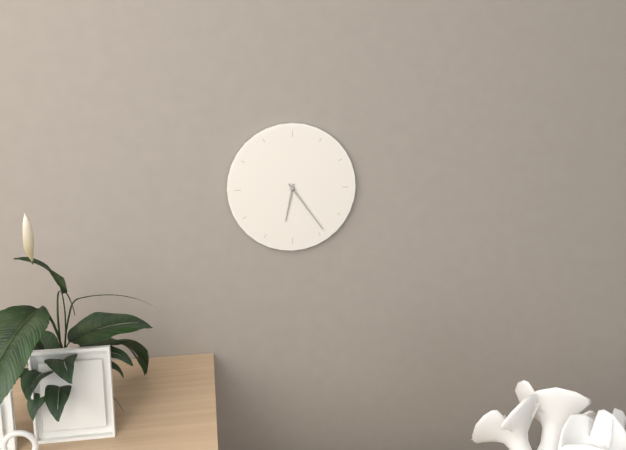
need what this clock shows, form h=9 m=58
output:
h=6 m=24
